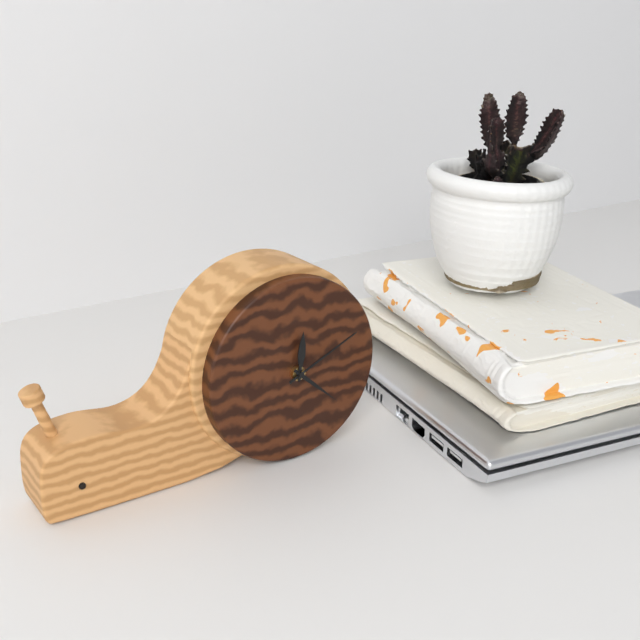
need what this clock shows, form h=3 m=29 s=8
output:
h=12 m=11 s=22
